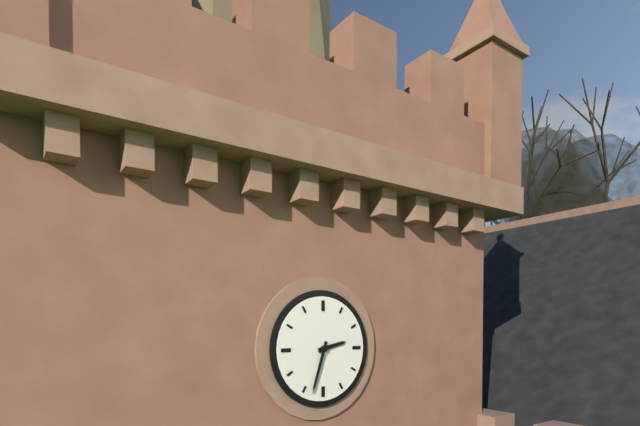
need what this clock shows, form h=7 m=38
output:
h=2 m=33
